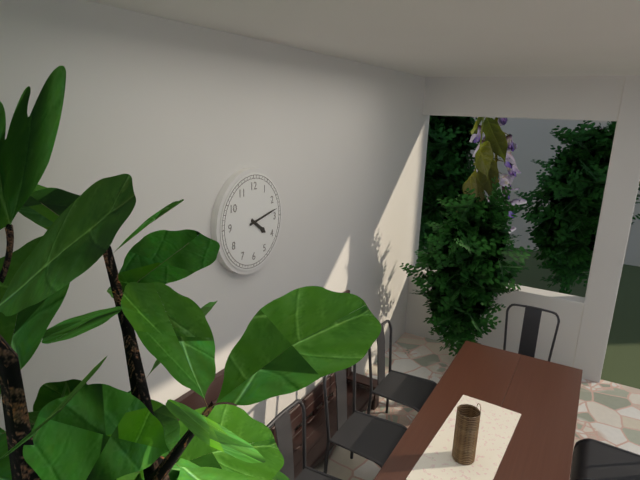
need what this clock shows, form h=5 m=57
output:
h=4 m=13
